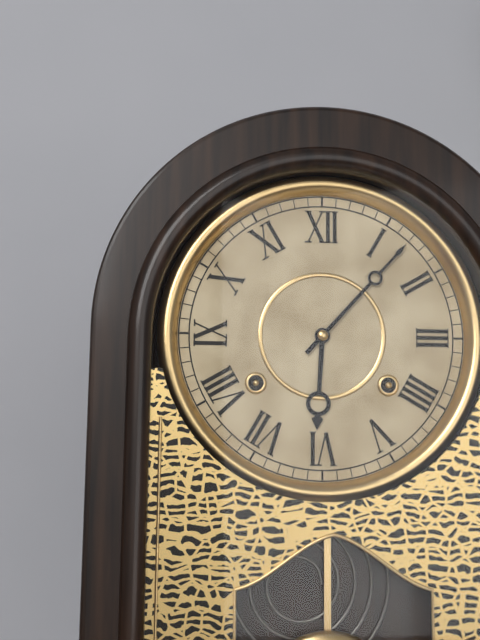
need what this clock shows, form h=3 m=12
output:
h=6 m=7
